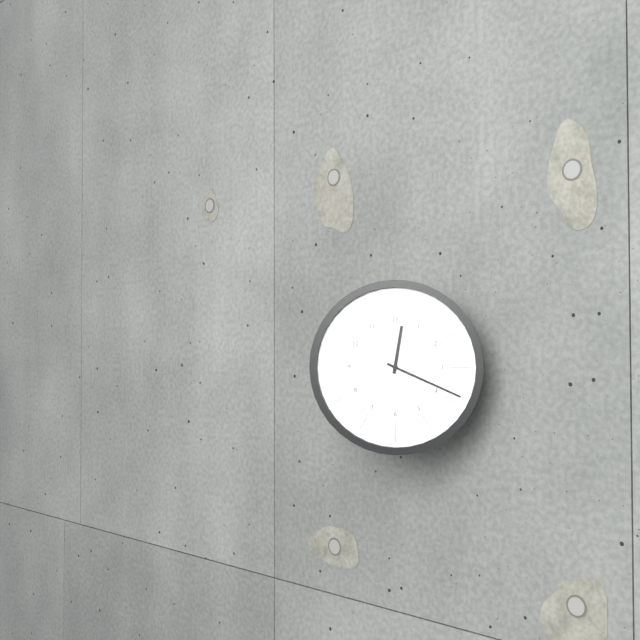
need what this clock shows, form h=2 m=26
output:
h=12 m=19
